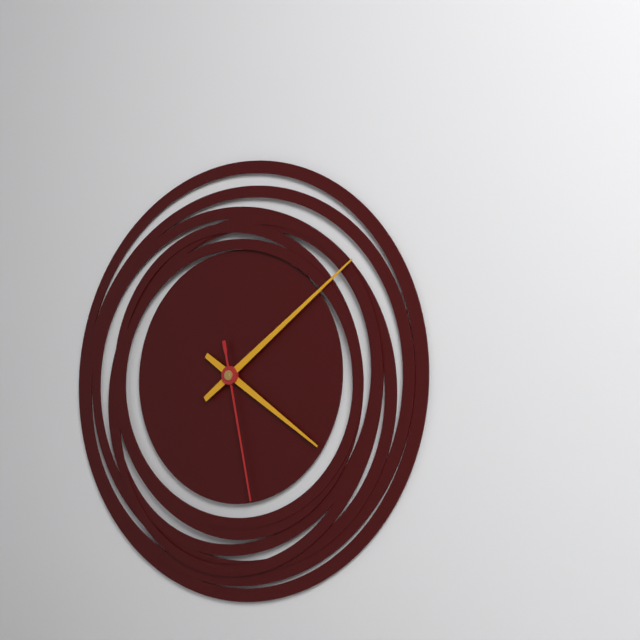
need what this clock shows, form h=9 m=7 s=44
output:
h=4 m=9 s=28
